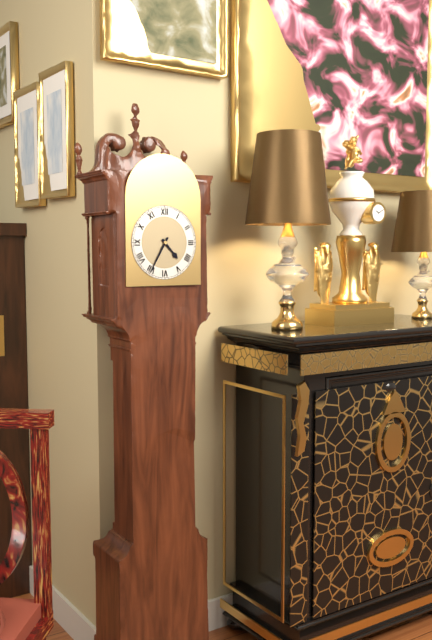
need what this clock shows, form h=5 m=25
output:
h=4 m=35
